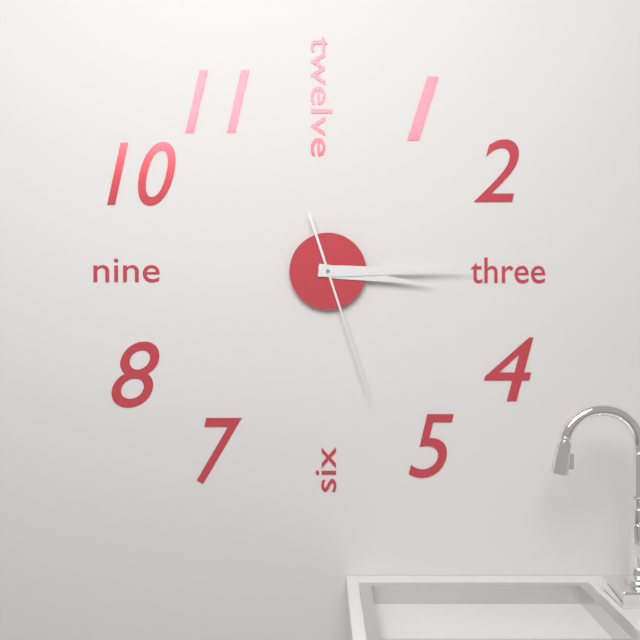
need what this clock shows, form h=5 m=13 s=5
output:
h=3 m=15 s=27
